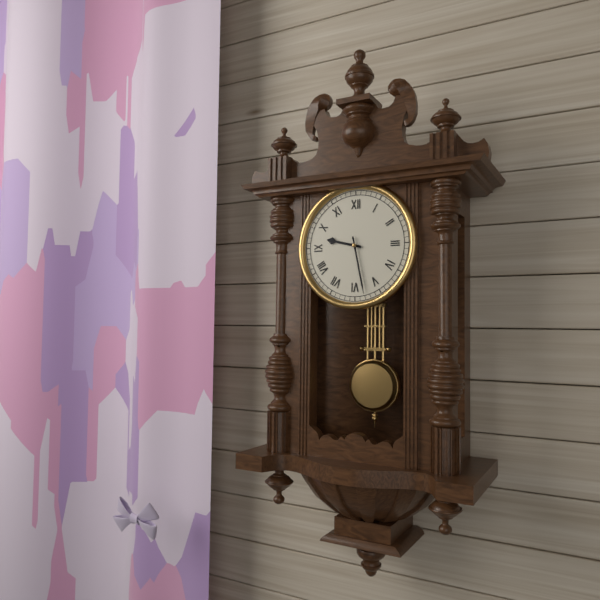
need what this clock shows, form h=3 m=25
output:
h=9 m=28
